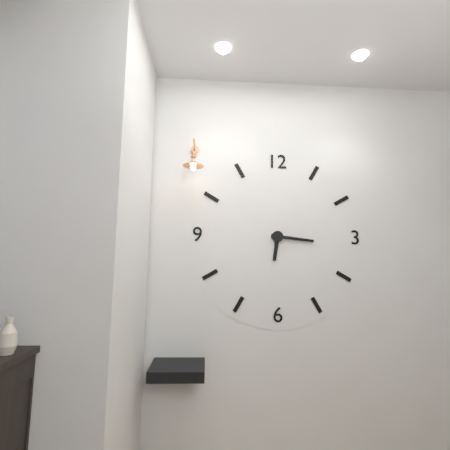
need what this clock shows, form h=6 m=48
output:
h=6 m=16
